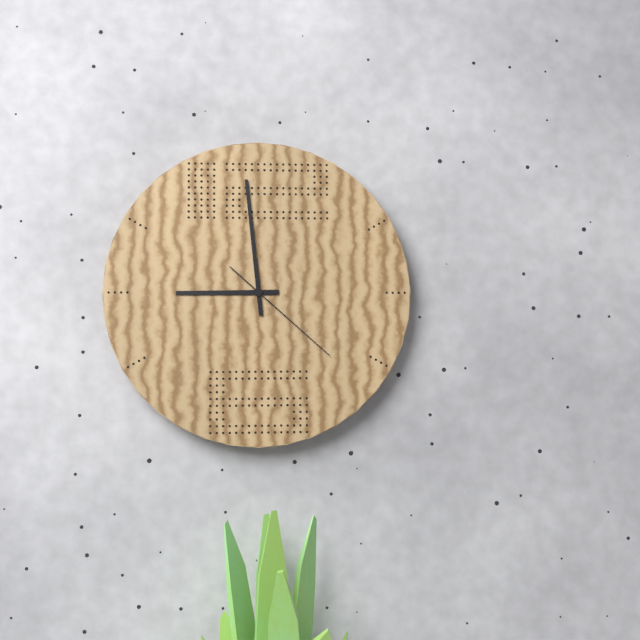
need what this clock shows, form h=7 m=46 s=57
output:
h=8 m=59 s=22
